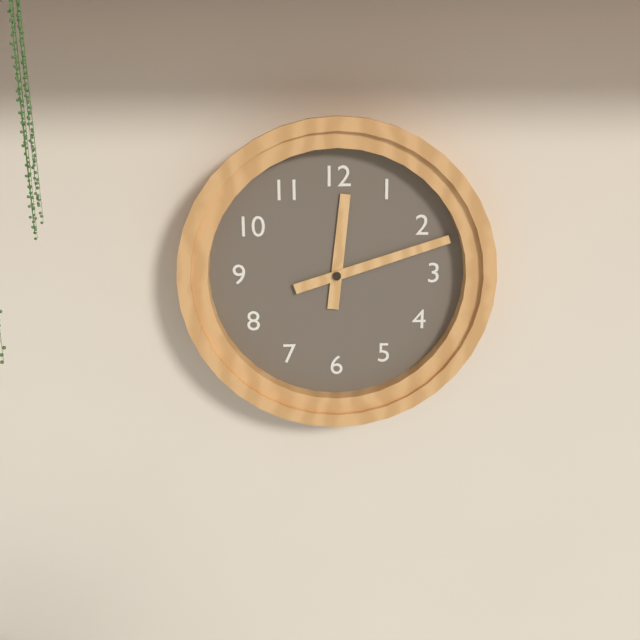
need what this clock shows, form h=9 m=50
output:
h=12 m=12
